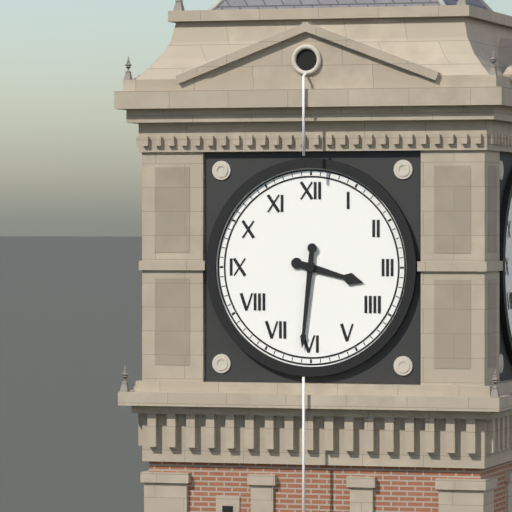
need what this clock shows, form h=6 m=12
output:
h=3 m=31
